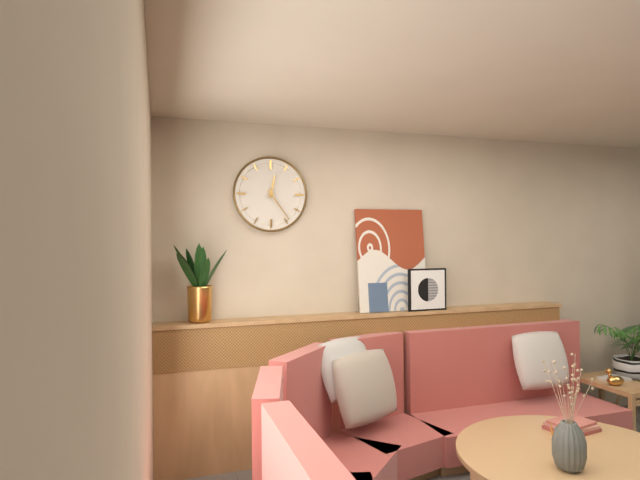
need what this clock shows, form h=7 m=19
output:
h=12 m=24
